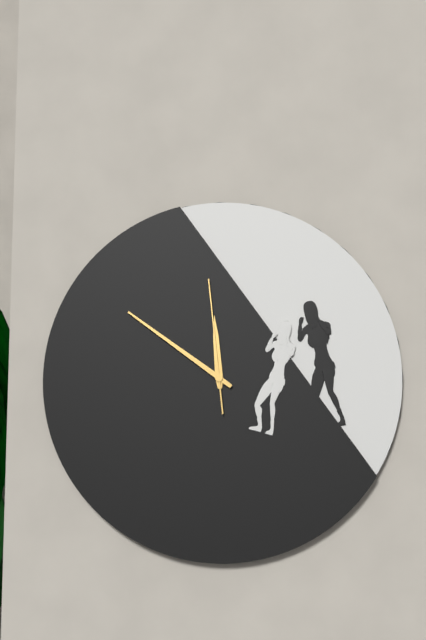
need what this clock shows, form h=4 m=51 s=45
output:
h=11 m=51 s=59
